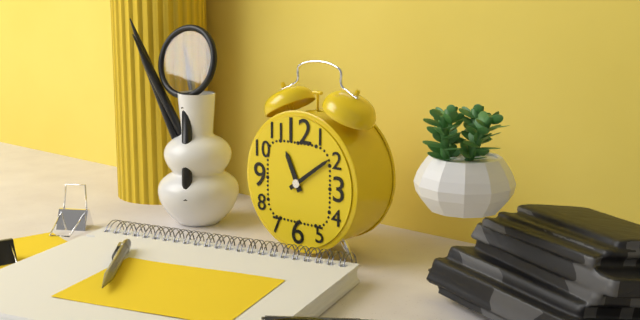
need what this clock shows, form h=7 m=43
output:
h=11 m=9
